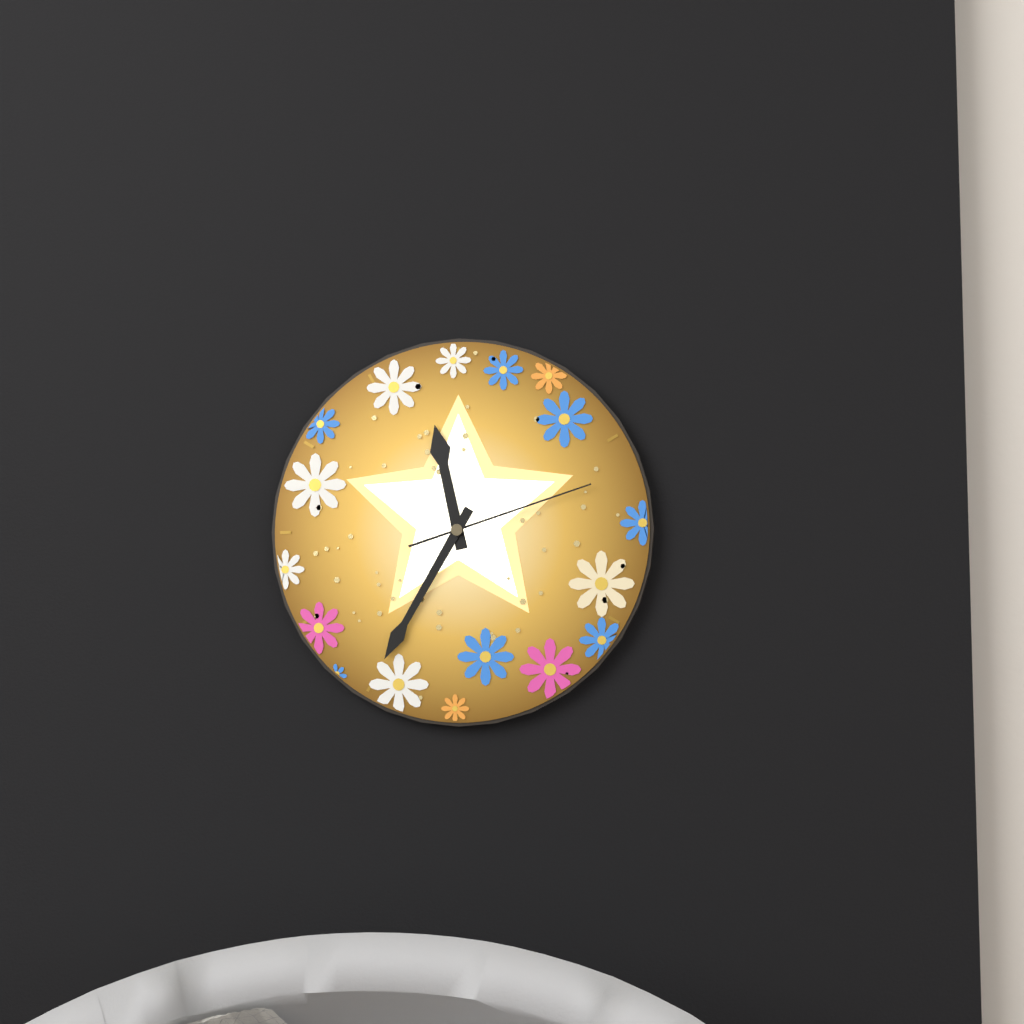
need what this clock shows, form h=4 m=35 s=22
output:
h=11 m=35 s=12
